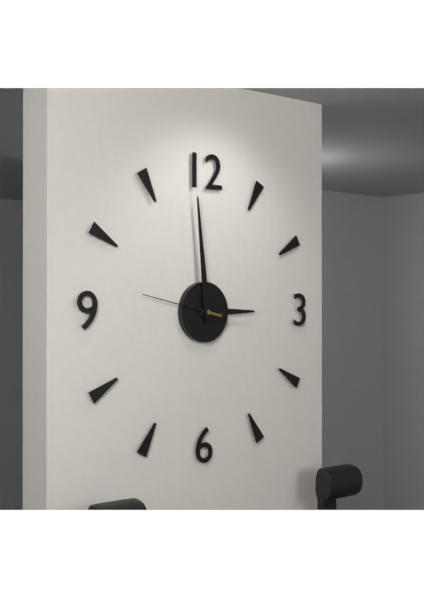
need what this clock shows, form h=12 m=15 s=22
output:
h=2 m=59 s=47
